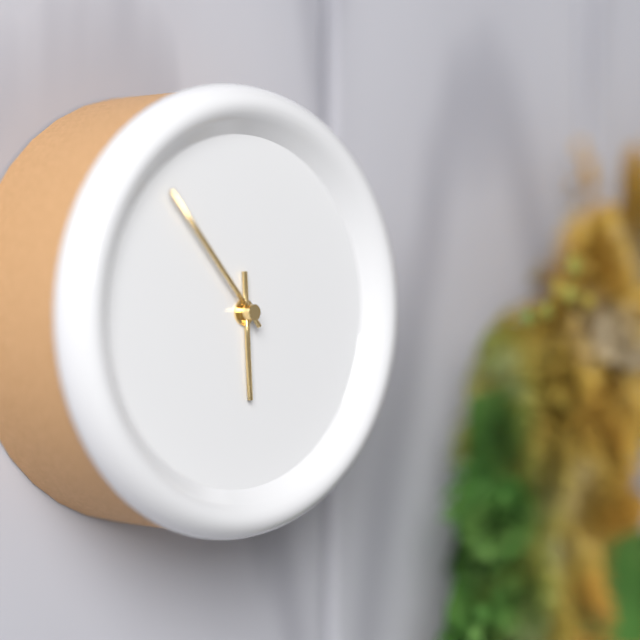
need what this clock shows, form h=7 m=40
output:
h=5 m=53
